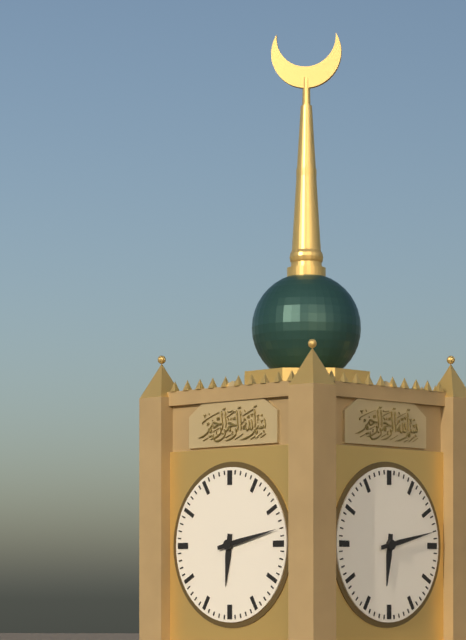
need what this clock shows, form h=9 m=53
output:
h=6 m=13
